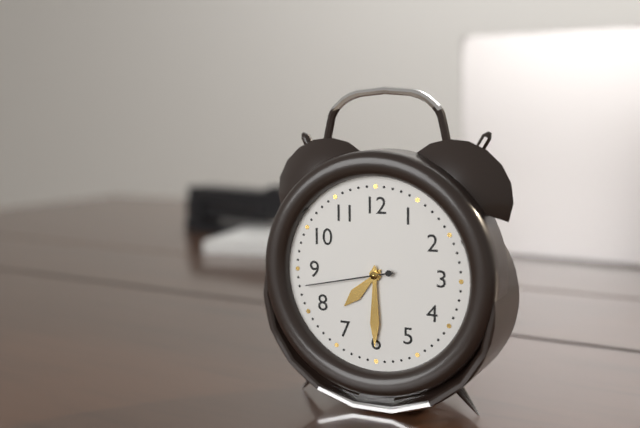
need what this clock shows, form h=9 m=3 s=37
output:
h=7 m=30 s=43
